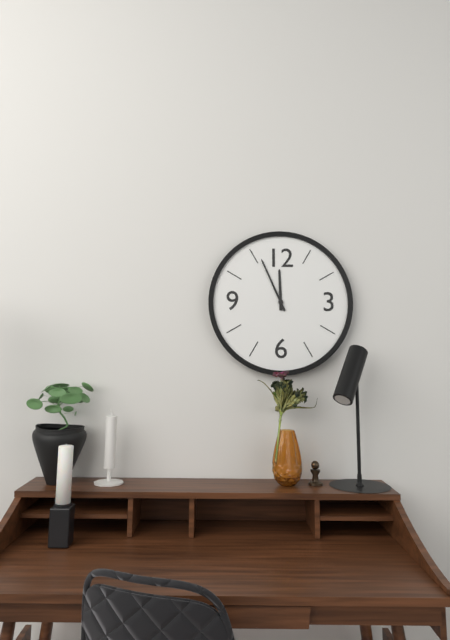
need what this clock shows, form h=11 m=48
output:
h=11 m=56
